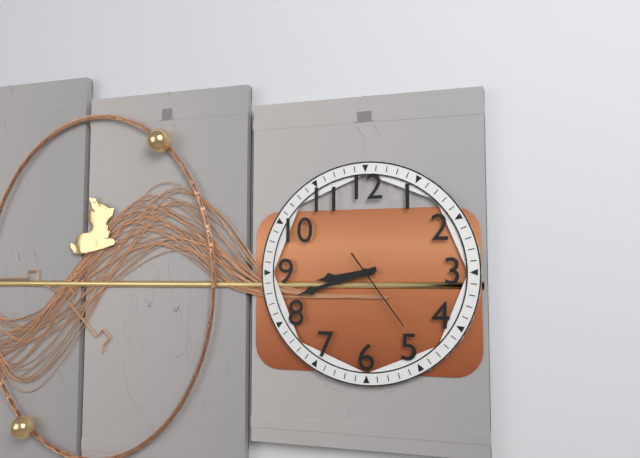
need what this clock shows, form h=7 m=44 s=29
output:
h=8 m=42 s=24
